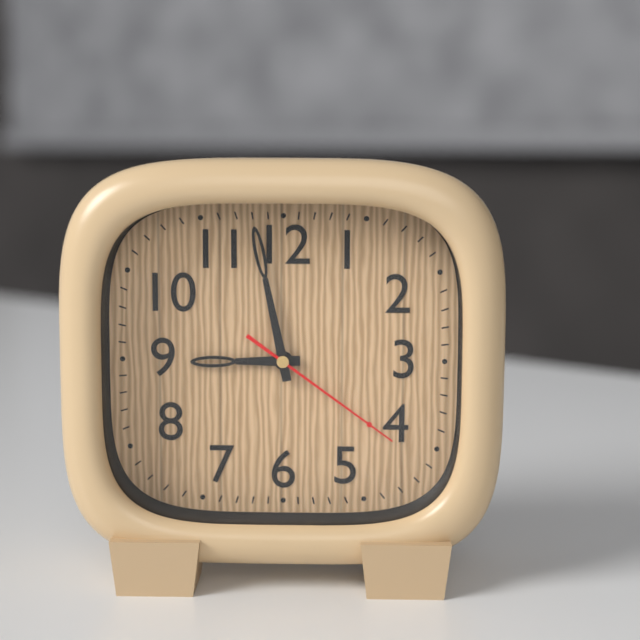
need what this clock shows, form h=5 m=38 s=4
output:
h=8 m=58 s=21
